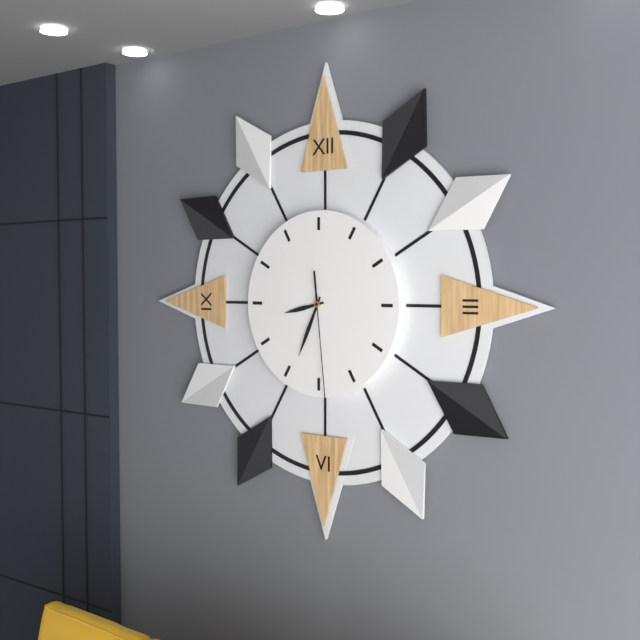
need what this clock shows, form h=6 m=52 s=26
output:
h=8 m=34 s=29
